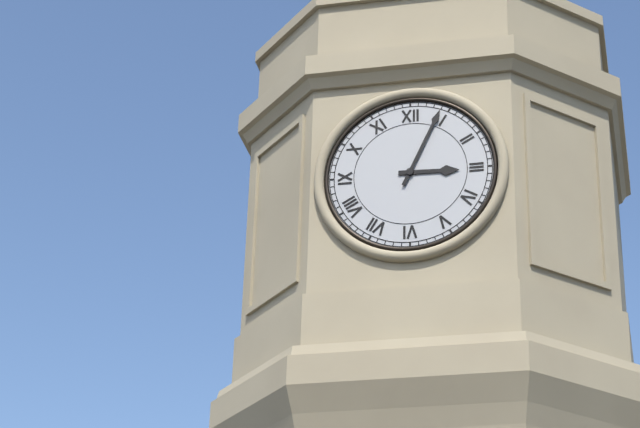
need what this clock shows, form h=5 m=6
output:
h=3 m=4
